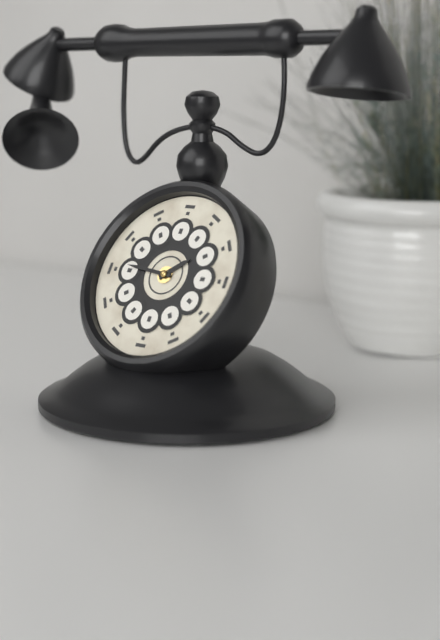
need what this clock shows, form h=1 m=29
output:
h=1 m=46
